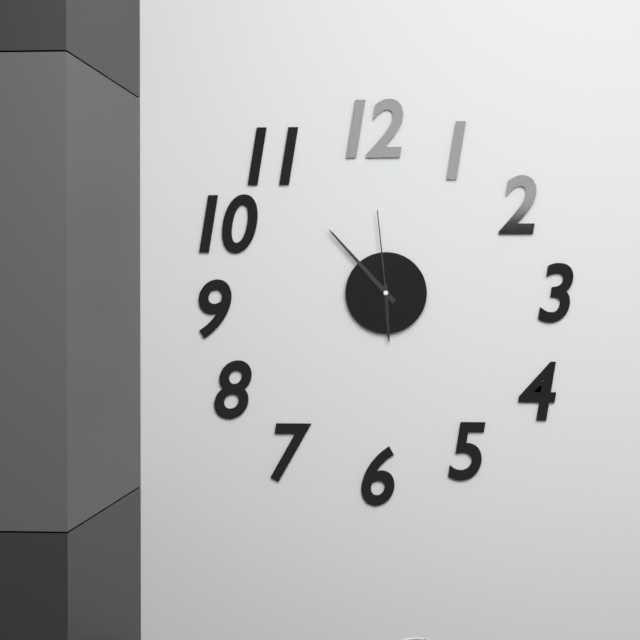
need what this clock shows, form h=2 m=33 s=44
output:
h=5 m=53 s=59
